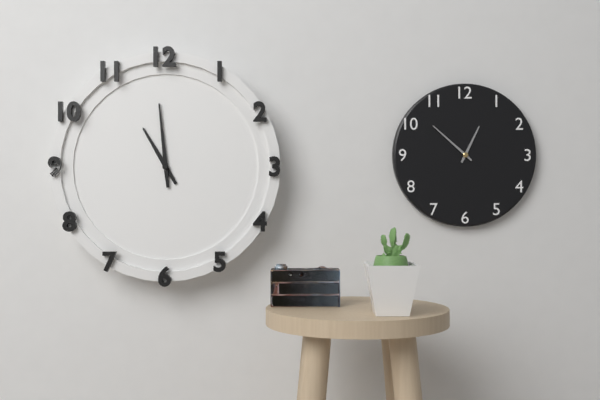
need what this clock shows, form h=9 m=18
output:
h=10 m=59
